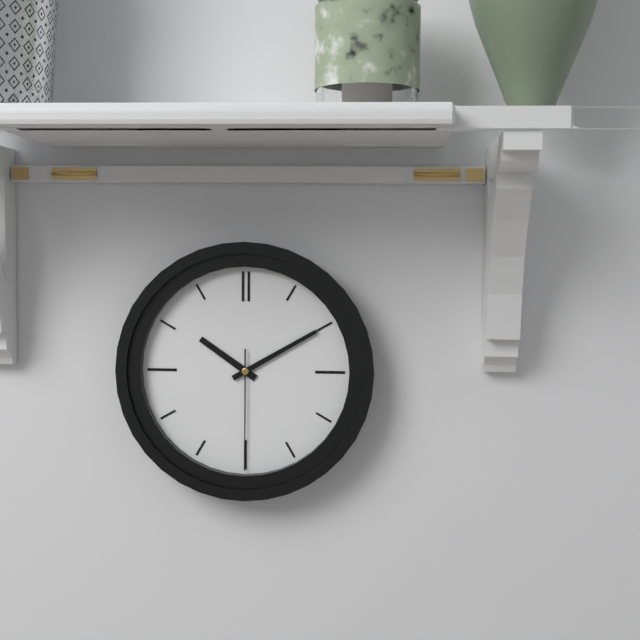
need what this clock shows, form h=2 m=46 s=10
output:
h=10 m=10 s=30
